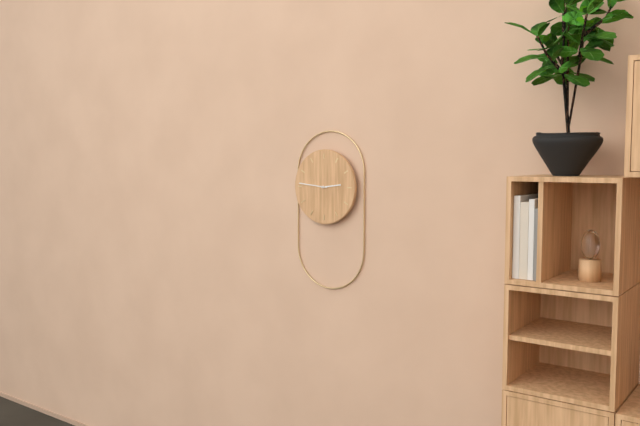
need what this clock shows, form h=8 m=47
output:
h=2 m=46
